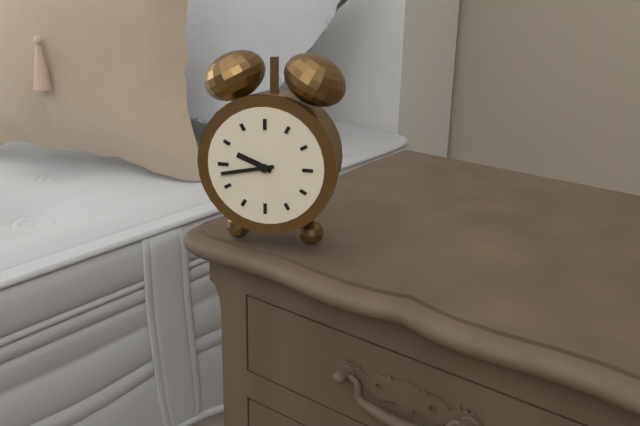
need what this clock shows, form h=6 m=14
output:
h=9 m=43
